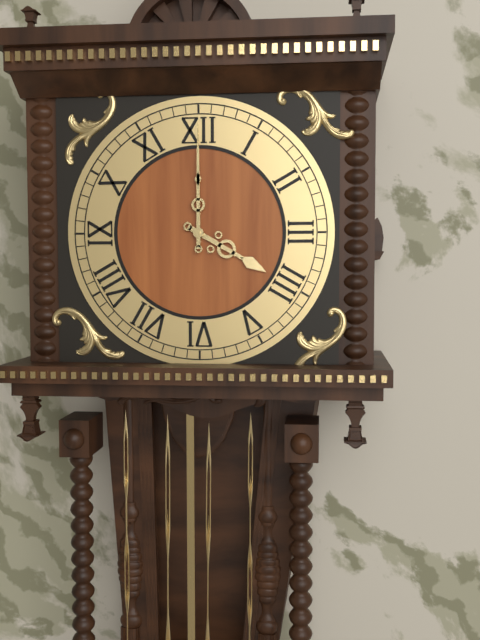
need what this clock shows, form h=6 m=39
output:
h=4 m=0
